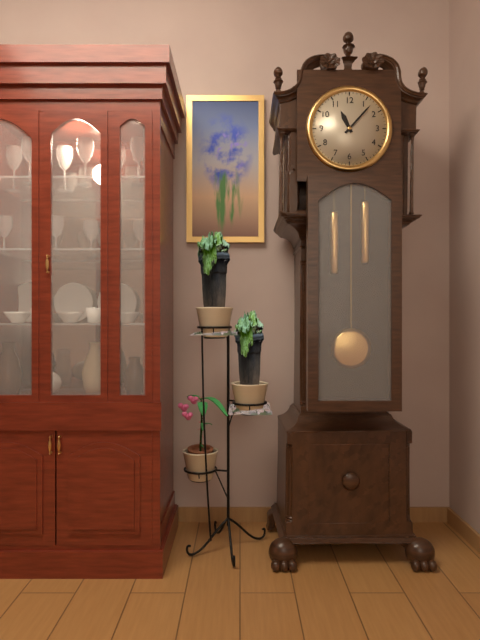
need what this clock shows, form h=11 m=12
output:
h=11 m=7
